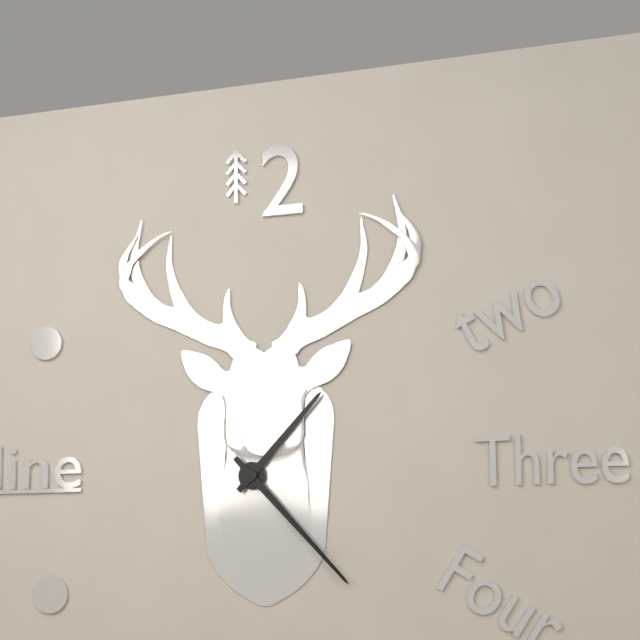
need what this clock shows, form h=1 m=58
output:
h=1 m=23
